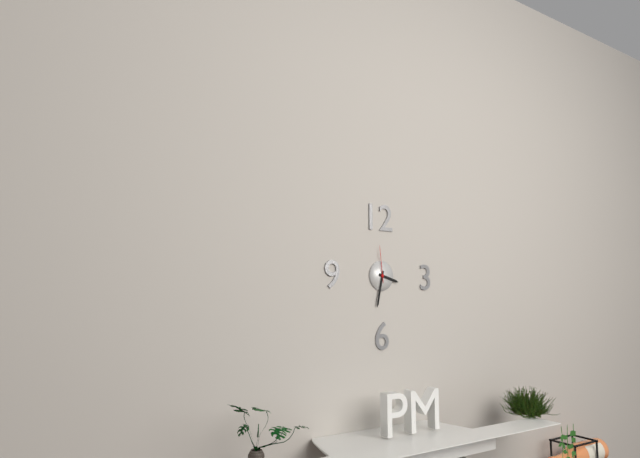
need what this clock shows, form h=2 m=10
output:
h=3 m=32
